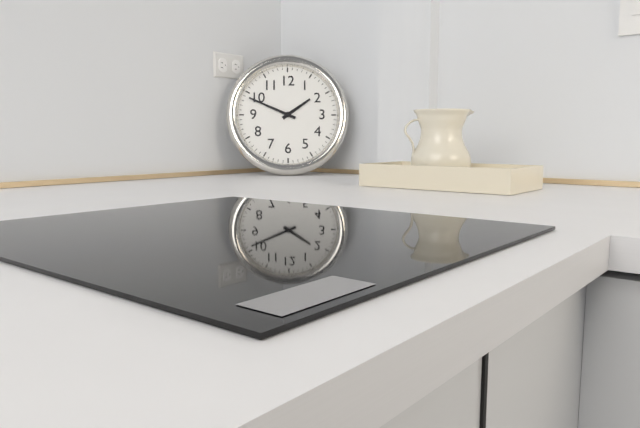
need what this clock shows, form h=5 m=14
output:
h=1 m=49
